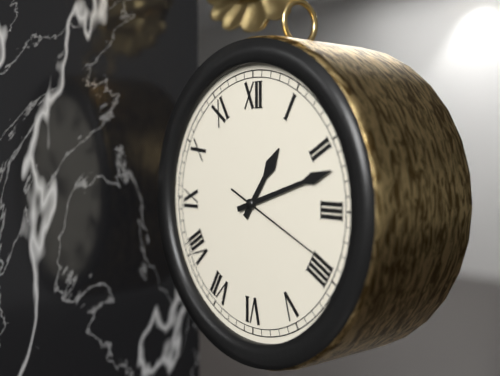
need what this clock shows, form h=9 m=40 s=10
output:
h=1 m=12 s=19
